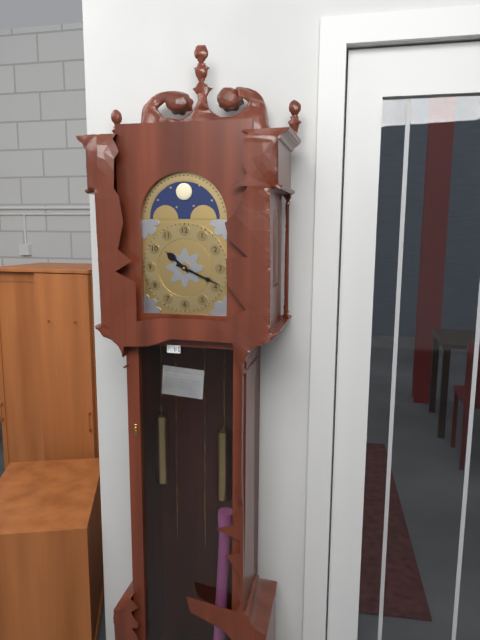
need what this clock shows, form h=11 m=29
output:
h=10 m=19
